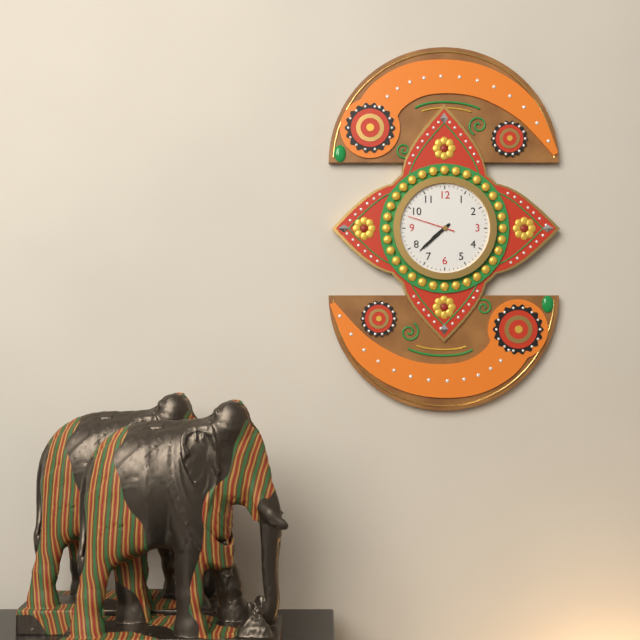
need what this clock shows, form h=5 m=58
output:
h=7 m=38
